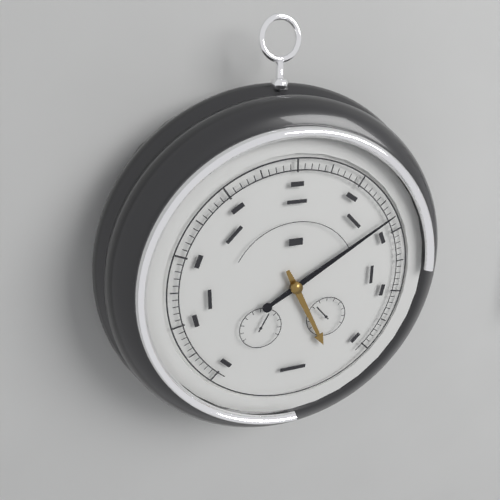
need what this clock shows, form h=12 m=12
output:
h=5 m=10
